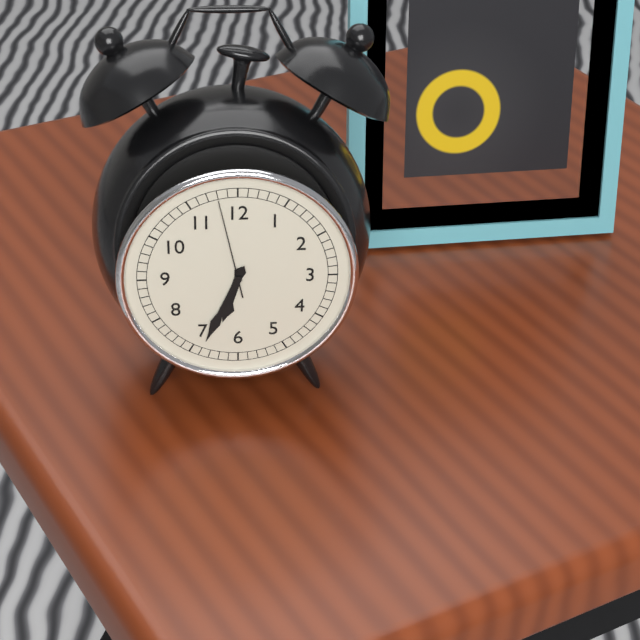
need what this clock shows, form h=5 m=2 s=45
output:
h=6 m=34 s=58
